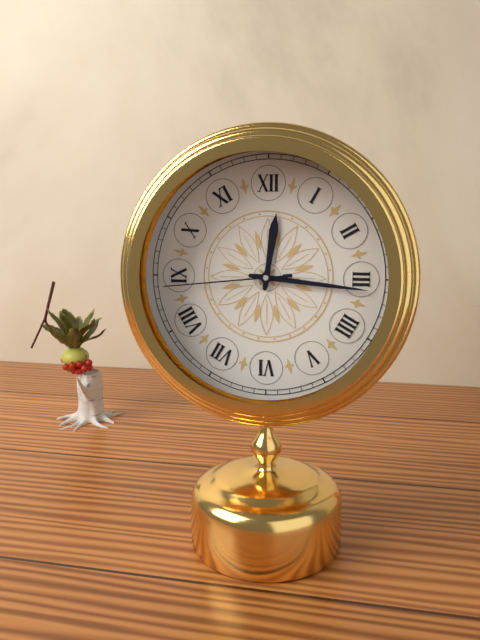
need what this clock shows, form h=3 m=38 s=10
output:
h=12 m=16 s=44
